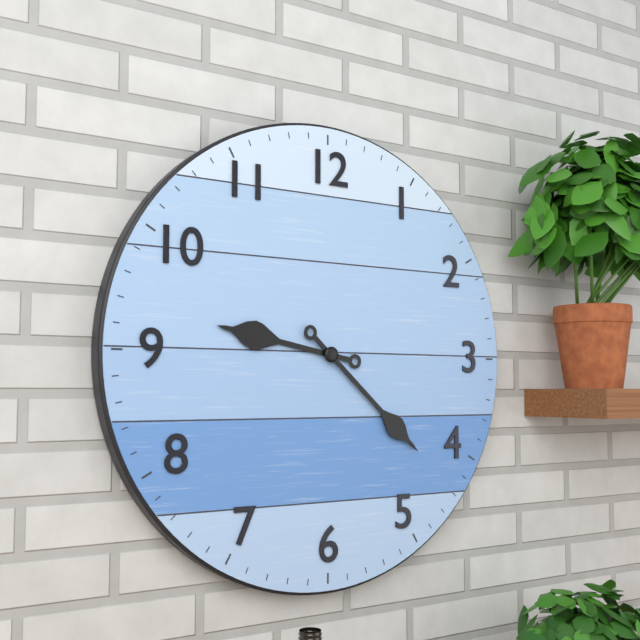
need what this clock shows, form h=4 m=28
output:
h=9 m=22
